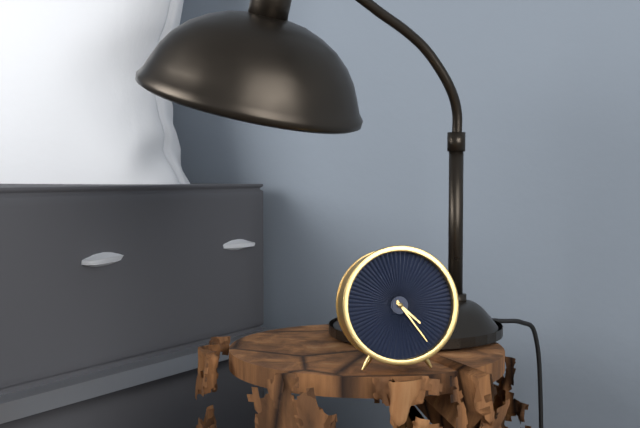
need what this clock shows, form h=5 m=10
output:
h=4 m=24
